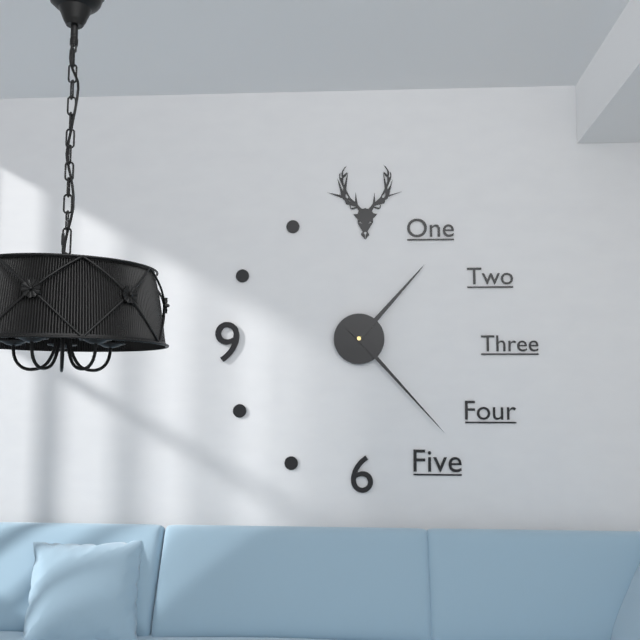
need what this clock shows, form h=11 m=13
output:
h=1 m=23
